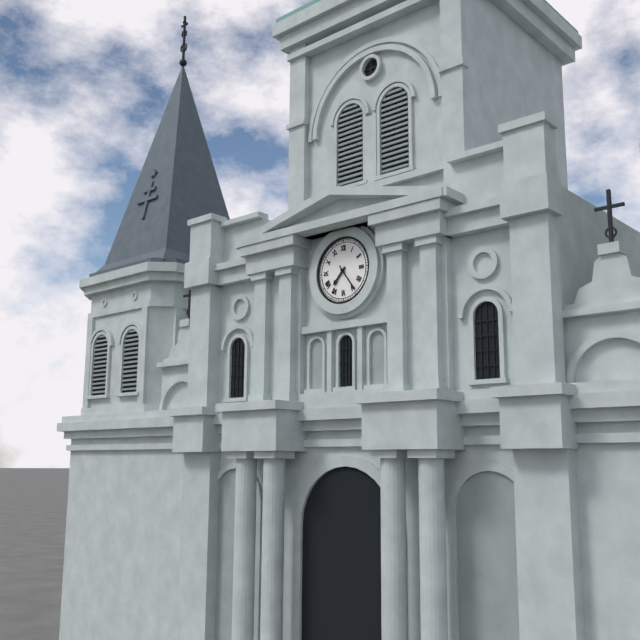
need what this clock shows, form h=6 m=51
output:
h=7 m=24
